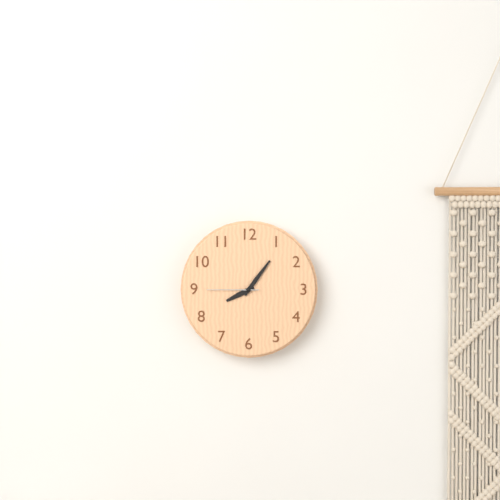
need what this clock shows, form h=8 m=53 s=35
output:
h=8 m=6 s=45
